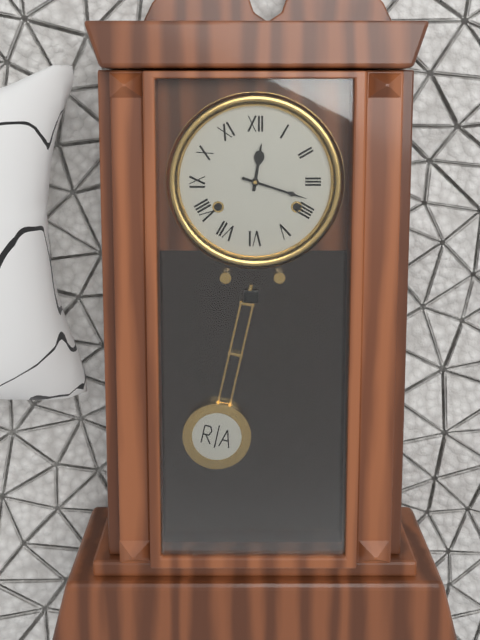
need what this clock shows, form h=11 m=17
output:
h=12 m=18
